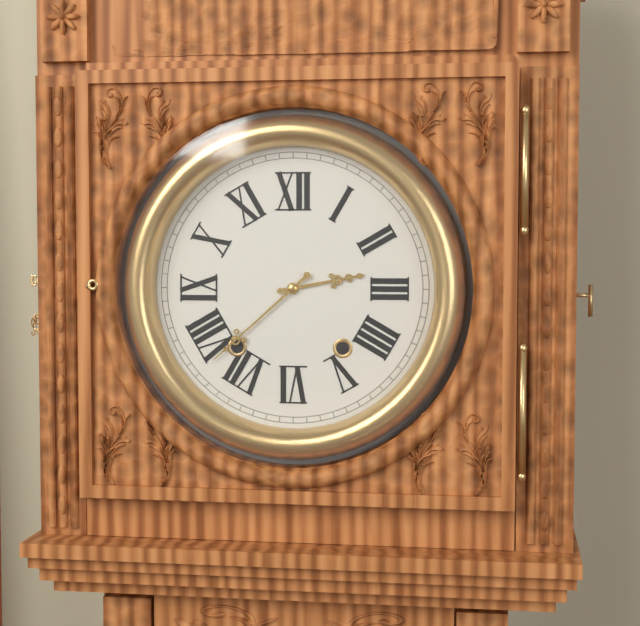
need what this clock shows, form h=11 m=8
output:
h=2 m=38
